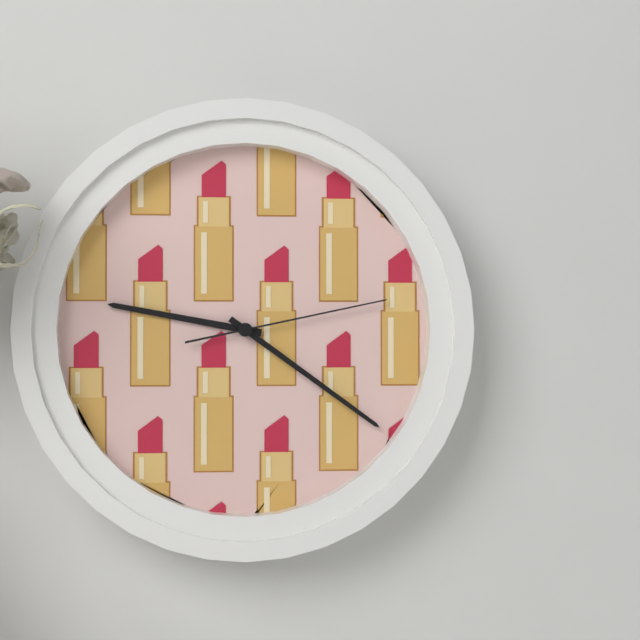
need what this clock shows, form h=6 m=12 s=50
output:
h=9 m=21 s=13
